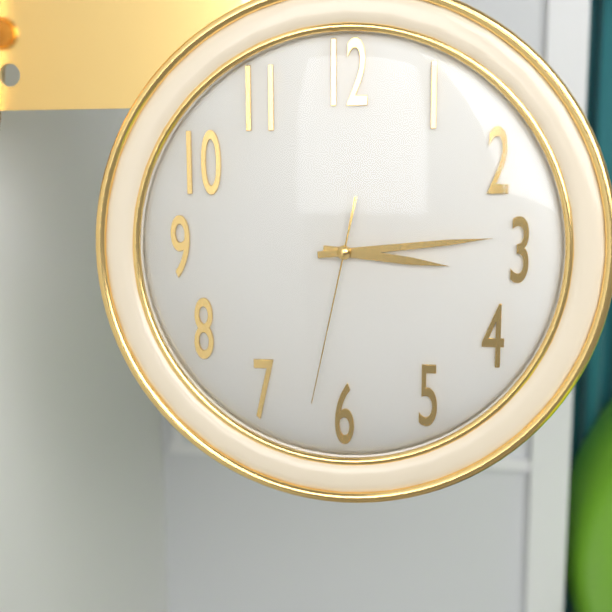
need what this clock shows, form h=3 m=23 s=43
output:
h=3 m=14 s=32
